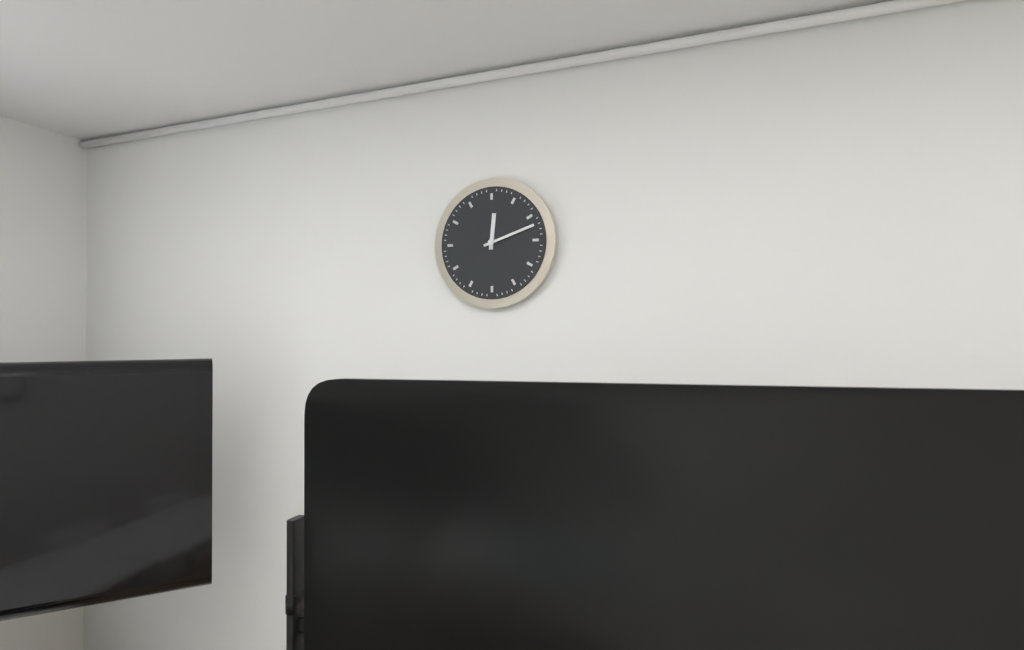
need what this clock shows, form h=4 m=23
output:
h=12 m=12
